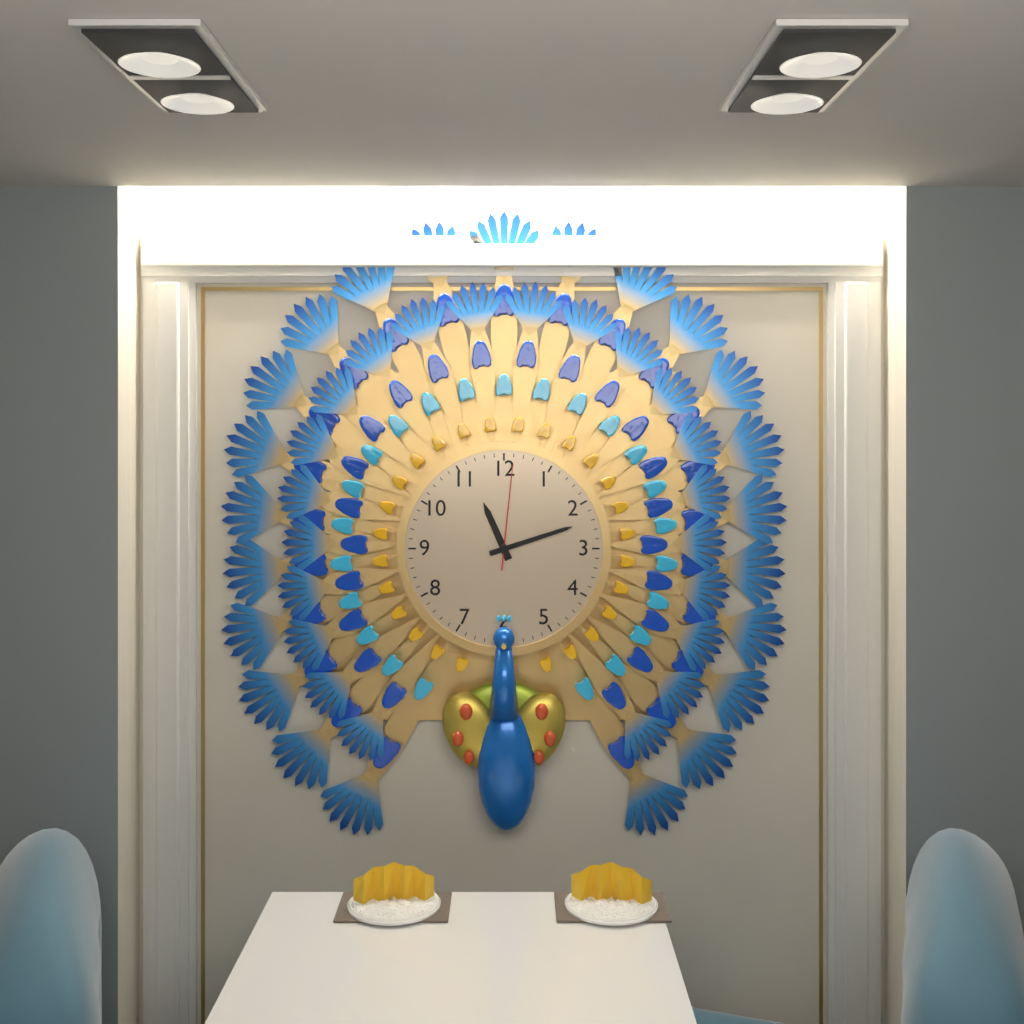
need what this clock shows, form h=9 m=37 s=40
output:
h=11 m=12 s=1
